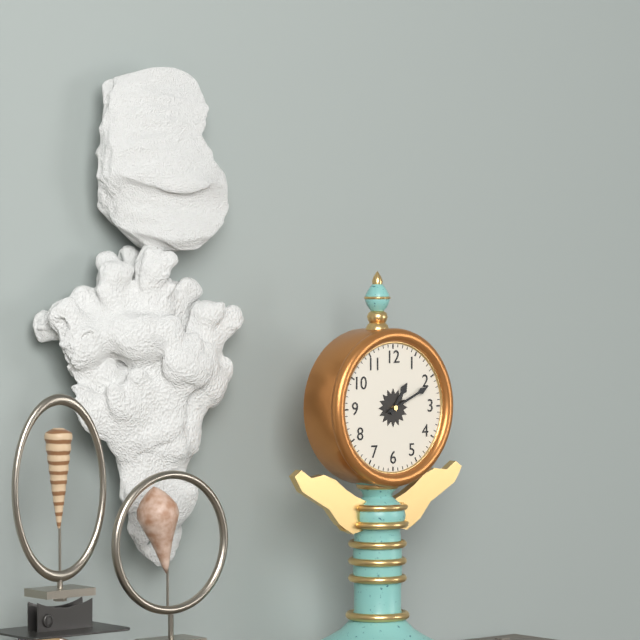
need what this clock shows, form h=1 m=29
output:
h=1 m=11
